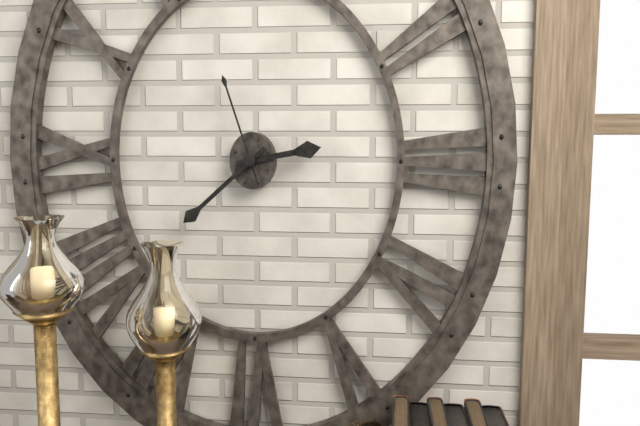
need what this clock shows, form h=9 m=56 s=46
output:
h=2 m=38 s=57
